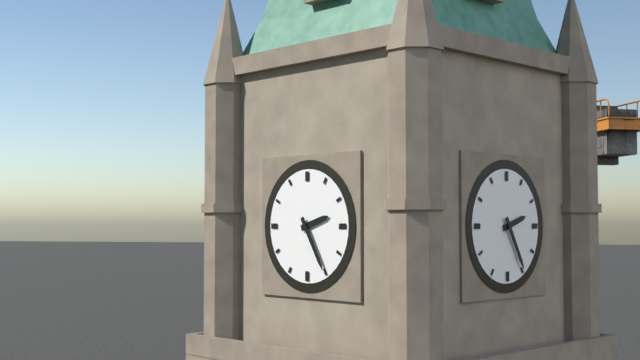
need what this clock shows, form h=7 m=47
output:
h=2 m=25
